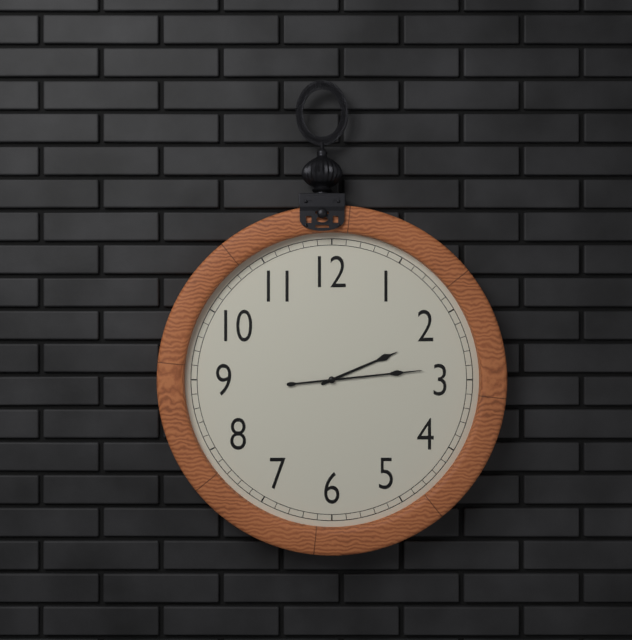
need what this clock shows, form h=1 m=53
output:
h=2 m=14
